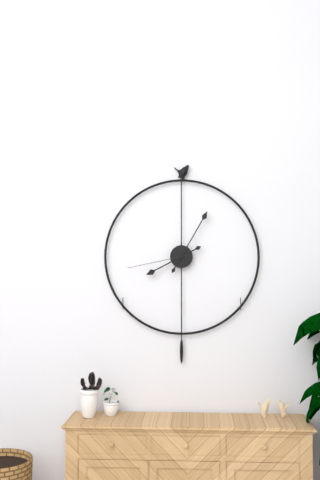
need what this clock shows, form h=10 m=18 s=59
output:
h=8 m=5 s=43
